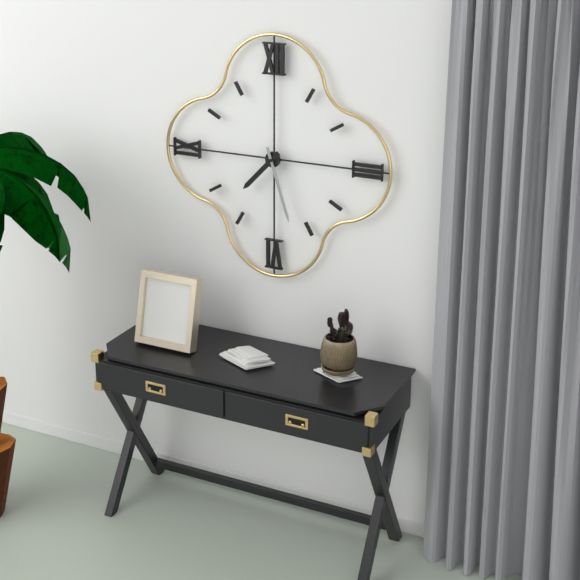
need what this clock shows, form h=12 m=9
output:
h=7 m=27
